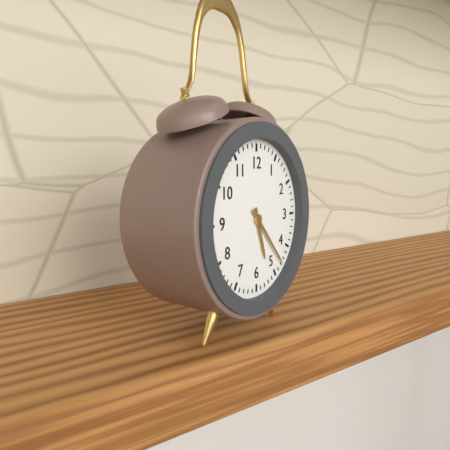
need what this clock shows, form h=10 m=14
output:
h=5 m=23
